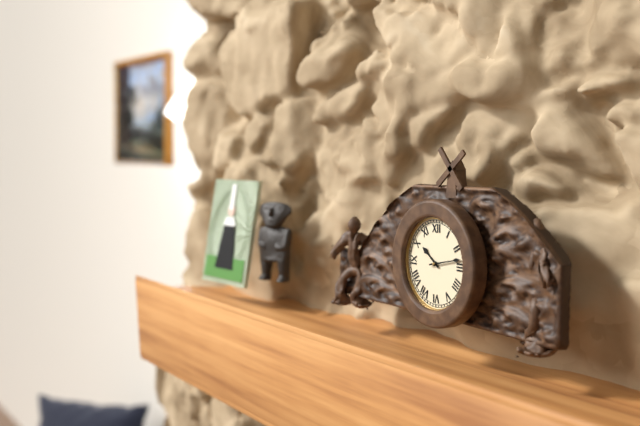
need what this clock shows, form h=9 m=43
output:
h=10 m=13
